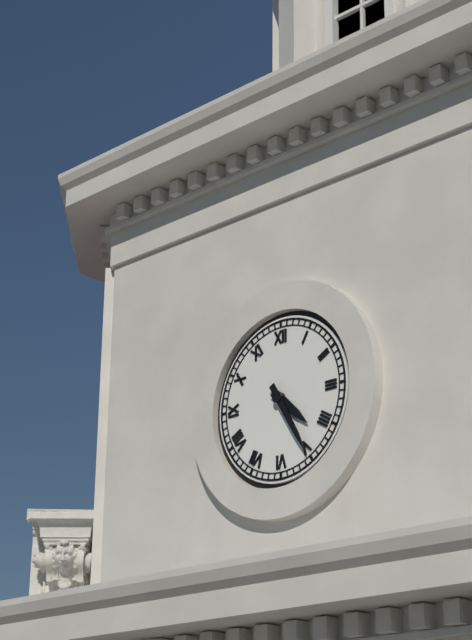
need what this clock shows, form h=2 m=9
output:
h=4 m=25
